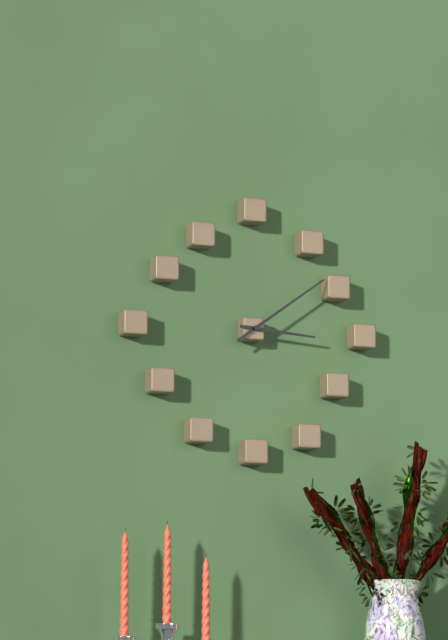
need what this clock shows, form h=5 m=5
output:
h=3 m=9
